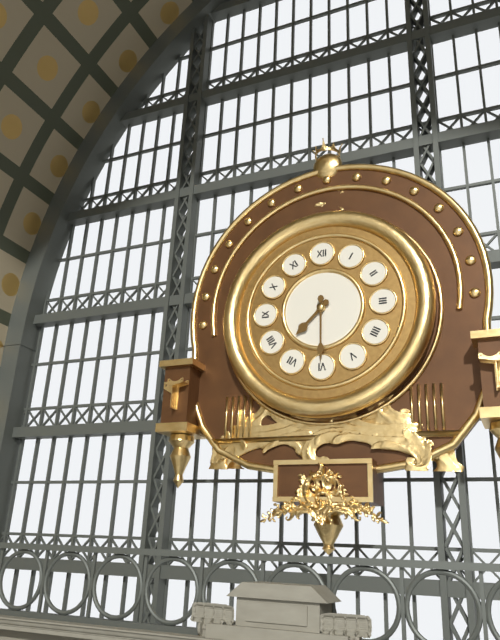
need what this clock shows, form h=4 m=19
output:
h=7 m=30
